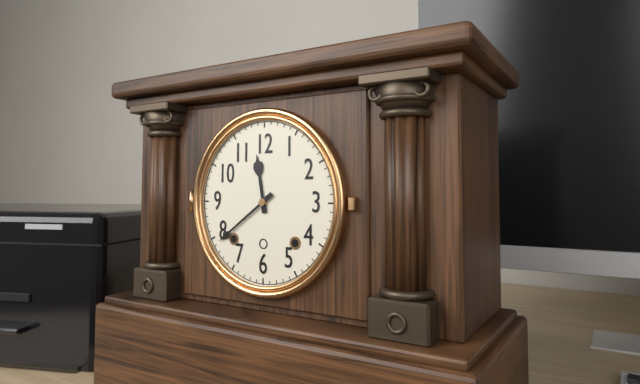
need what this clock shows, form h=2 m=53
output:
h=11 m=39
